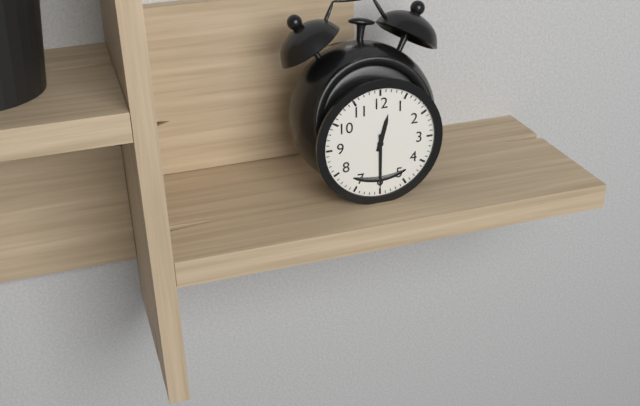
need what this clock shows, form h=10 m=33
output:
h=12 m=30
